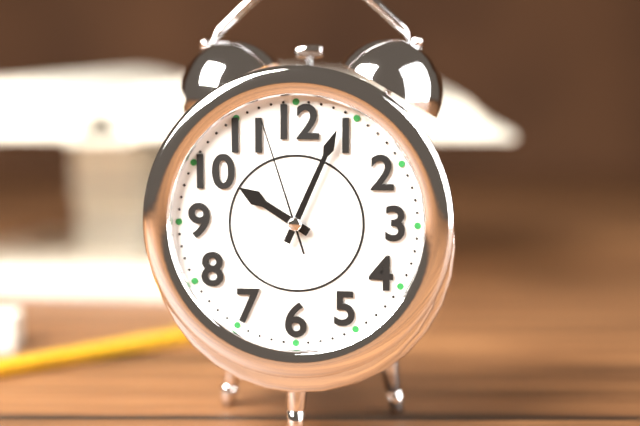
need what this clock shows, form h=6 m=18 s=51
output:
h=10 m=4 s=57
